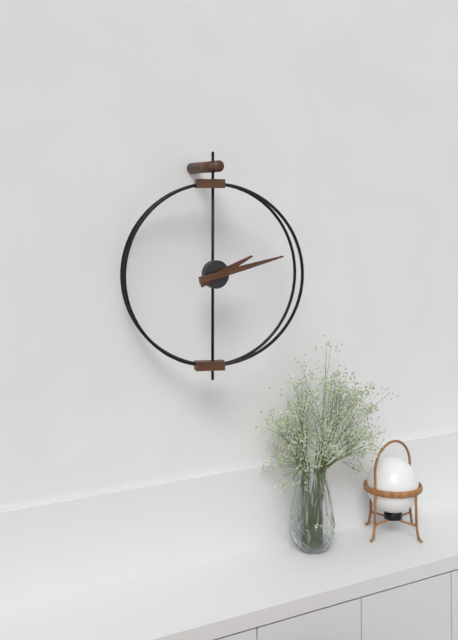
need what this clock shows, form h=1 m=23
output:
h=2 m=13
